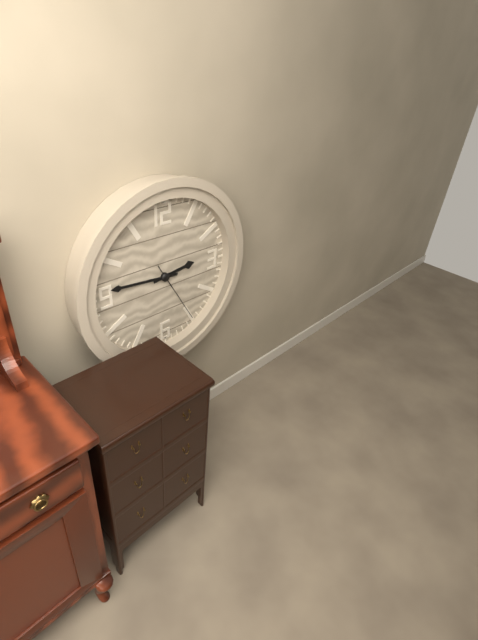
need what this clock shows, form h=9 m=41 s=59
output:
h=2 m=46 s=25
